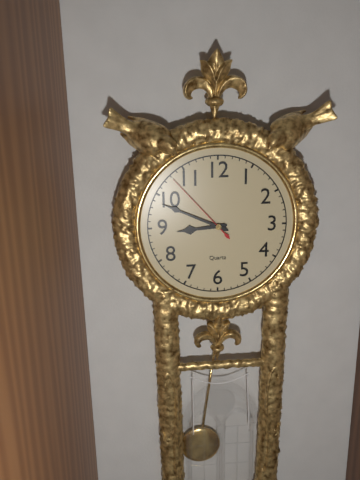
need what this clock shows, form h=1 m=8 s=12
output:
h=8 m=49 s=53
